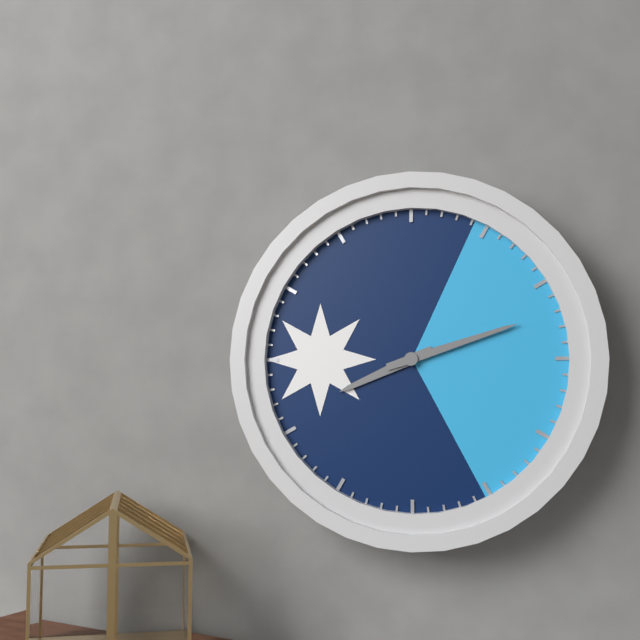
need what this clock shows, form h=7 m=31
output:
h=8 m=12
